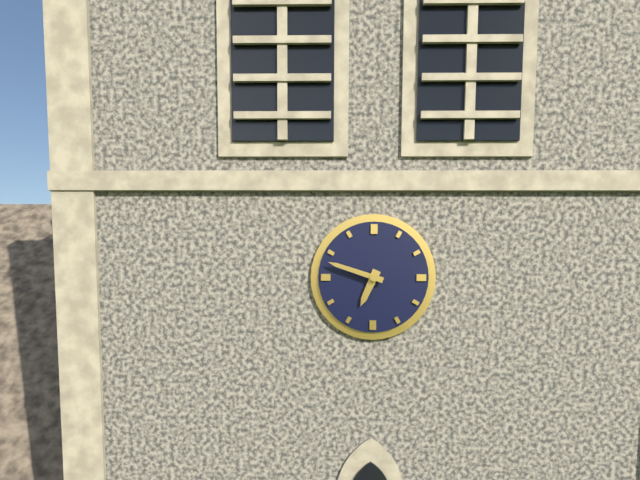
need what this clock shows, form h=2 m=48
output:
h=6 m=48
